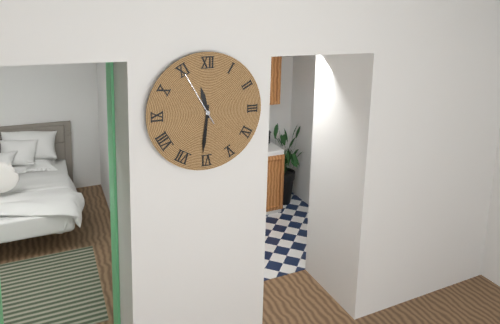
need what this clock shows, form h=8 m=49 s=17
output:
h=11 m=31 s=55
